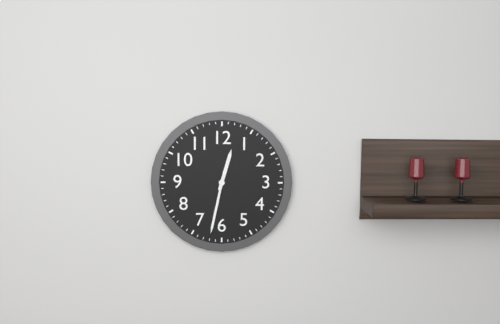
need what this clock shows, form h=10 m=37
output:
h=12 m=32
